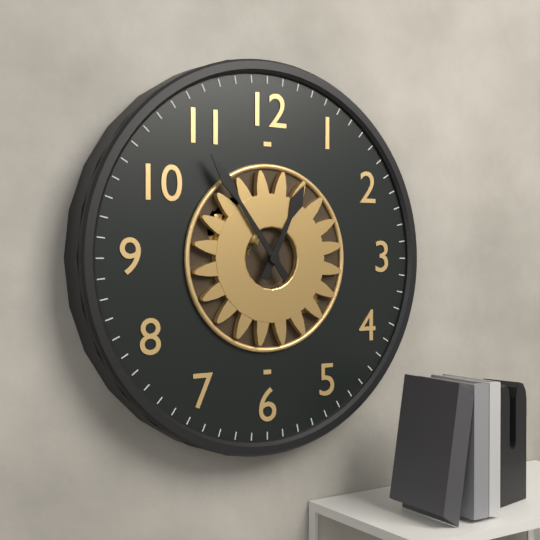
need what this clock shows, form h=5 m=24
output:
h=12 m=54
